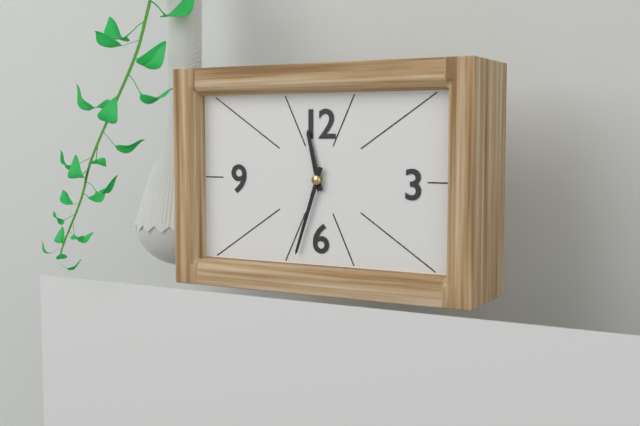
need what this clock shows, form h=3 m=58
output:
h=11 m=33
